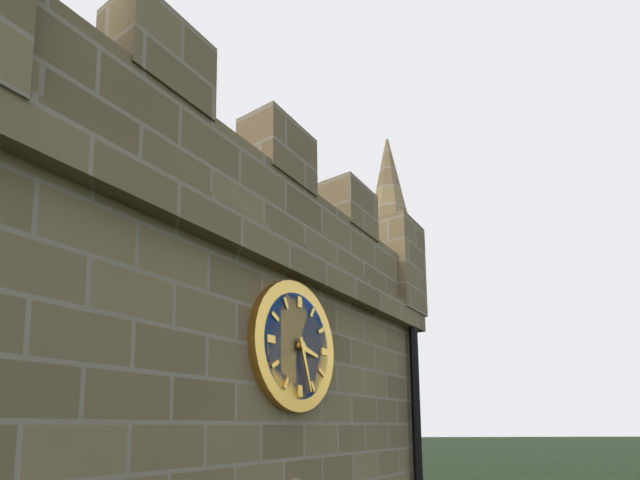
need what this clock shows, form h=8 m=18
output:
h=3 m=27
